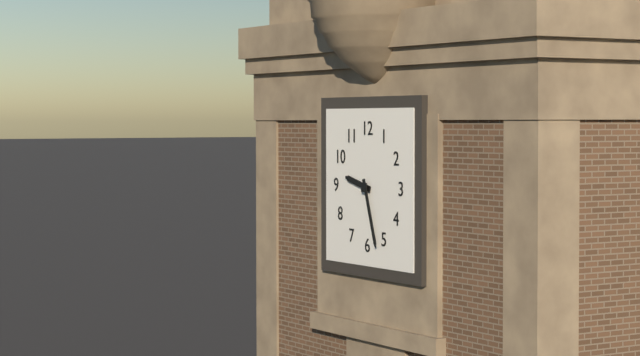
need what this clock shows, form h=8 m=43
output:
h=9 m=27
